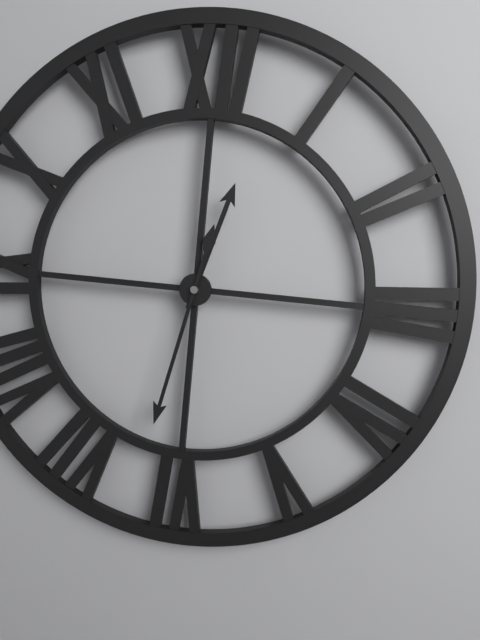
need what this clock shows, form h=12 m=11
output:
h=12 m=32
